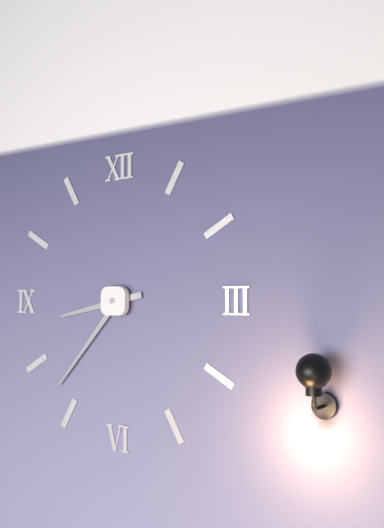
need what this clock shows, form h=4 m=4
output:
h=8 m=37
